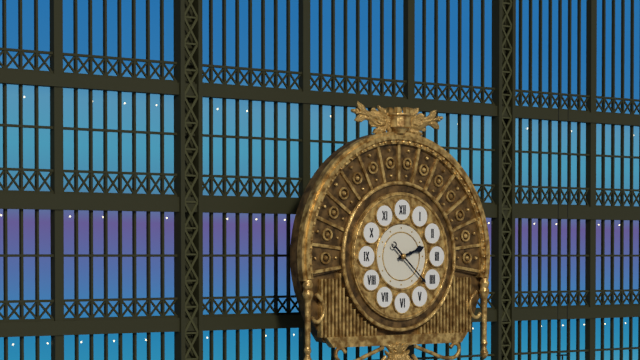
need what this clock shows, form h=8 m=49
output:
h=2 m=22
